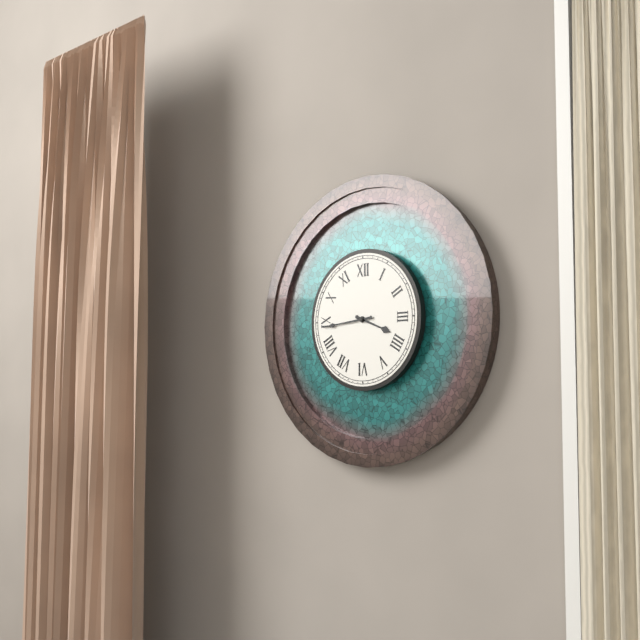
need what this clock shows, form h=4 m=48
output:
h=3 m=44
